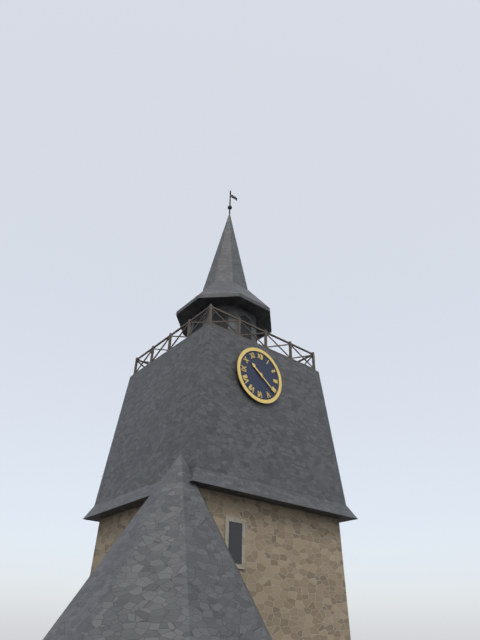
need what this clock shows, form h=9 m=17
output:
h=10 m=21
